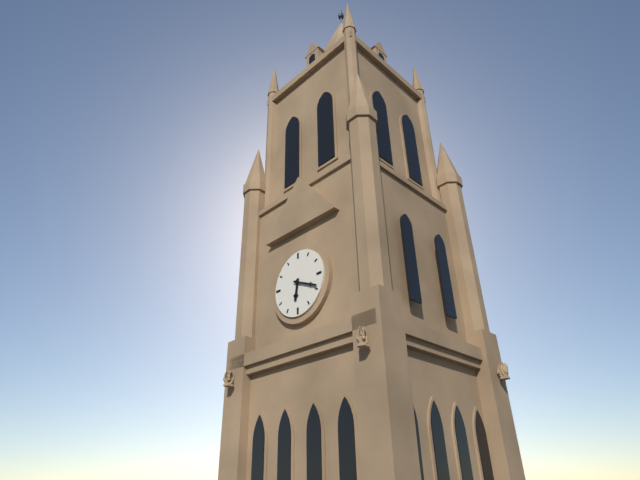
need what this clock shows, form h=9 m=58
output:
h=6 m=19
